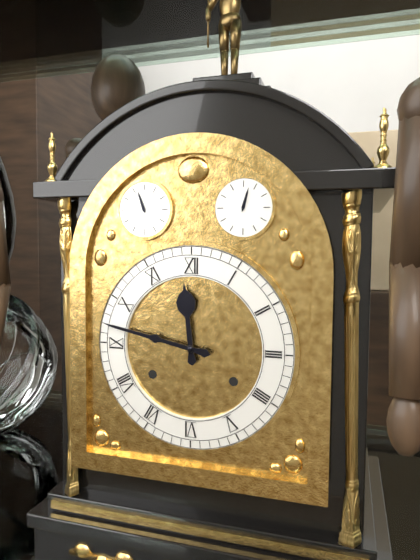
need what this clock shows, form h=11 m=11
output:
h=11 m=47
